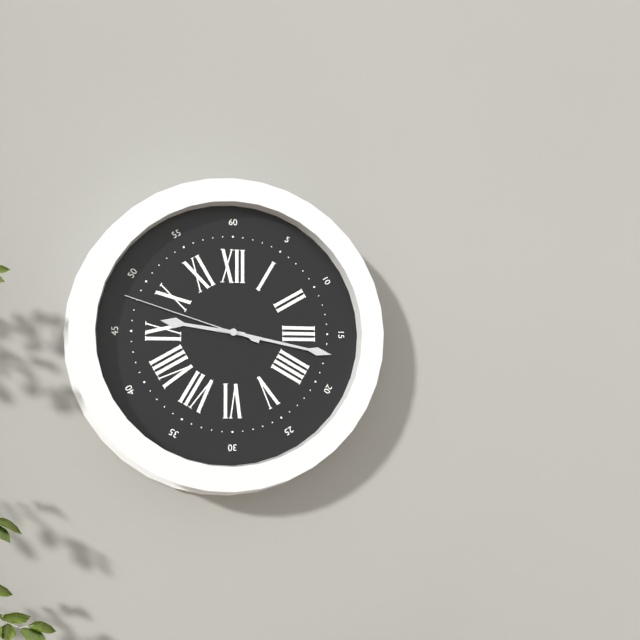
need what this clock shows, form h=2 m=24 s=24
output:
h=9 m=17 s=48
